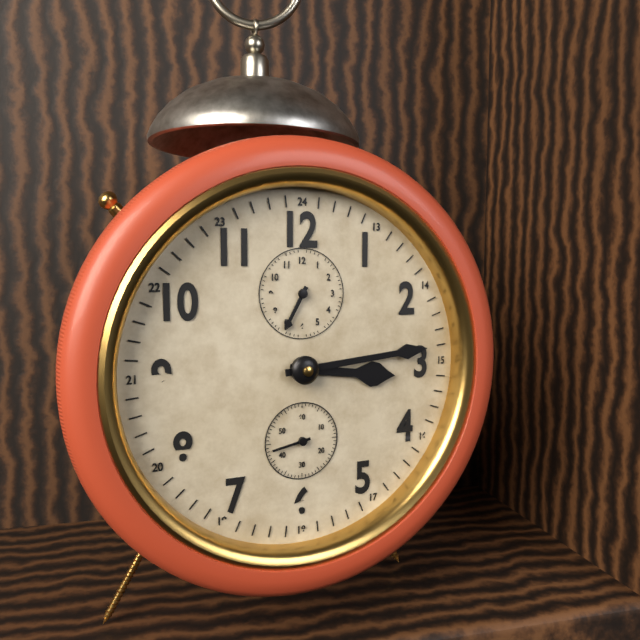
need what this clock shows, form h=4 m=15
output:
h=3 m=14
